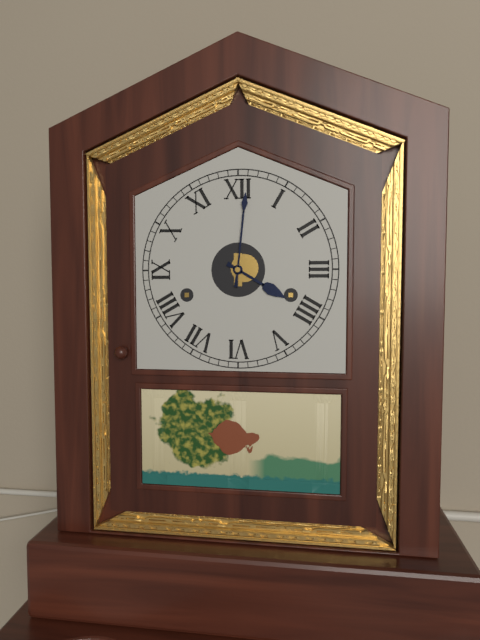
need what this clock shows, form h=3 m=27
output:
h=4 m=1
